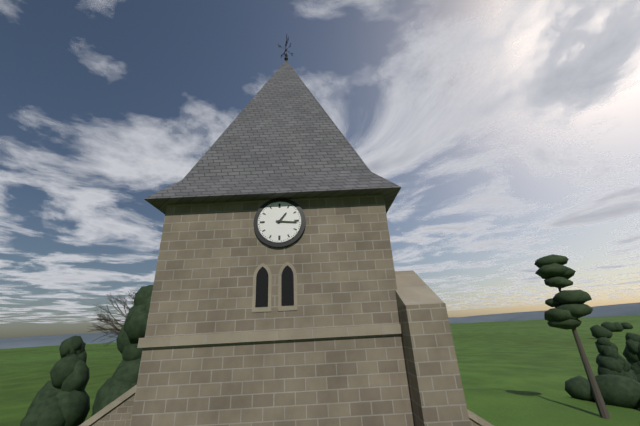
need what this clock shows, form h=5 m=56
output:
h=1 m=16
